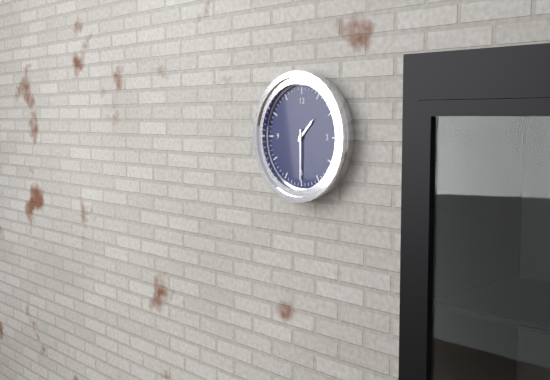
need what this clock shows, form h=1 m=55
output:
h=1 m=30
